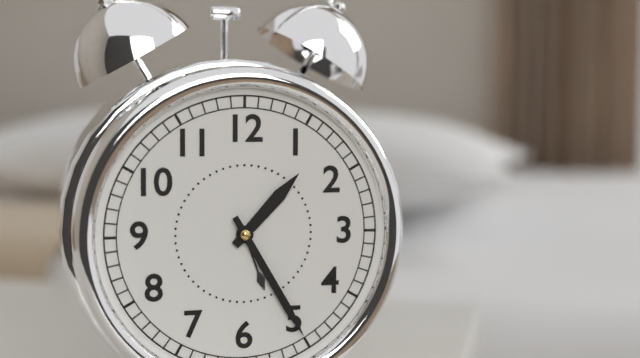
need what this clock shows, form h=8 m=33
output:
h=1 m=25
